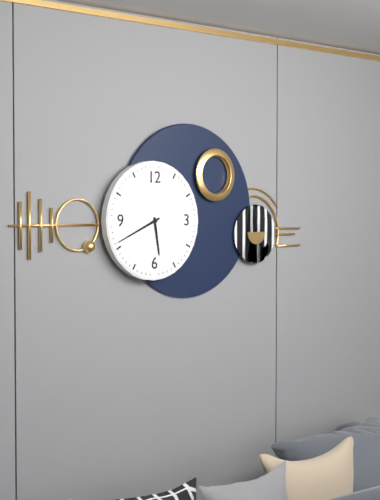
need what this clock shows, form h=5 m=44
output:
h=5 m=41
